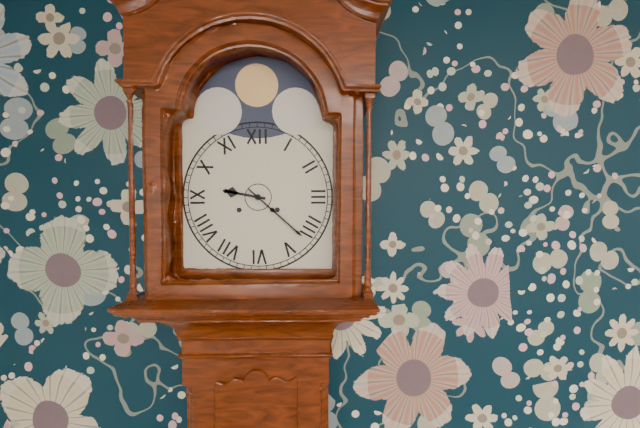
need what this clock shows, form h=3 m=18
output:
h=9 m=22
